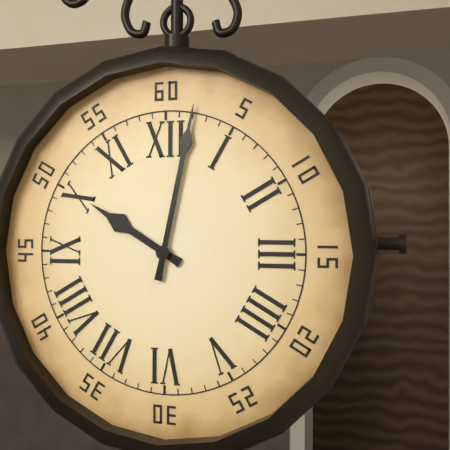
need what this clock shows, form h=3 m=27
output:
h=10 m=2
